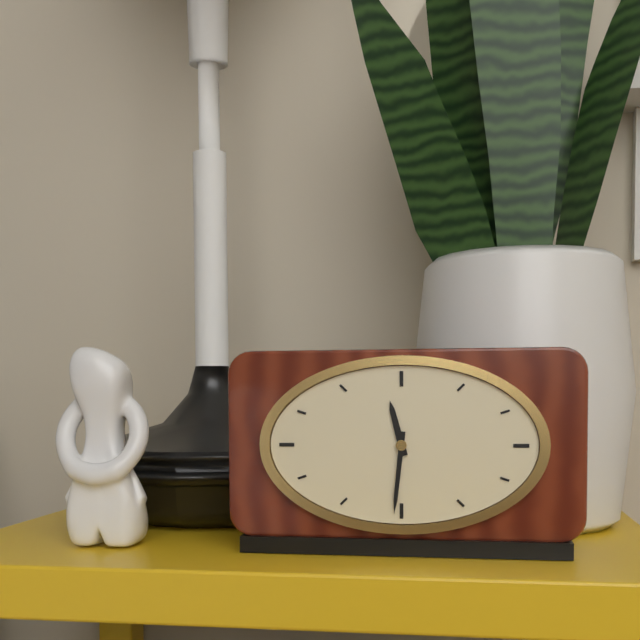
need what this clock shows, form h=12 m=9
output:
h=11 m=31
